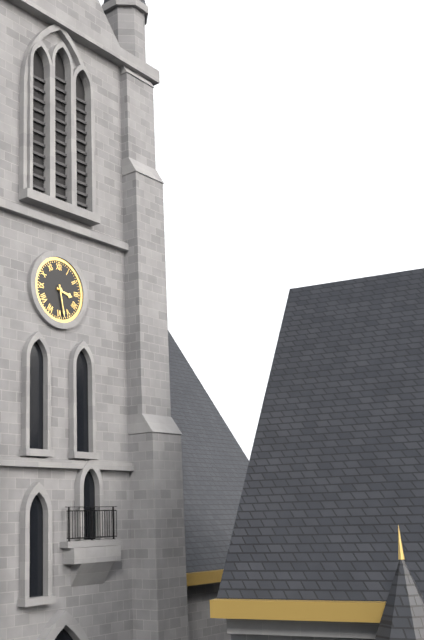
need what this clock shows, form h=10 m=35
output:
h=3 m=28
